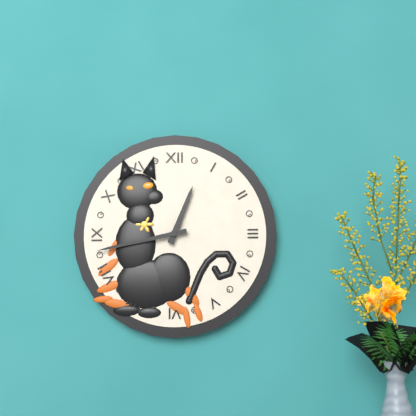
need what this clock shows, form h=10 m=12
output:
h=12 m=43
